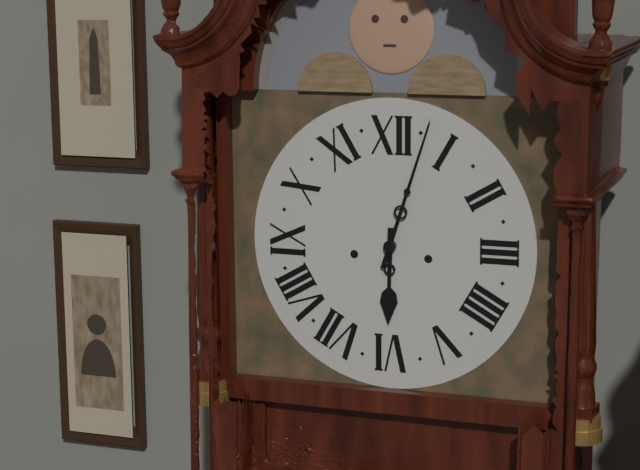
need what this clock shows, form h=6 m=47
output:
h=6 m=3
